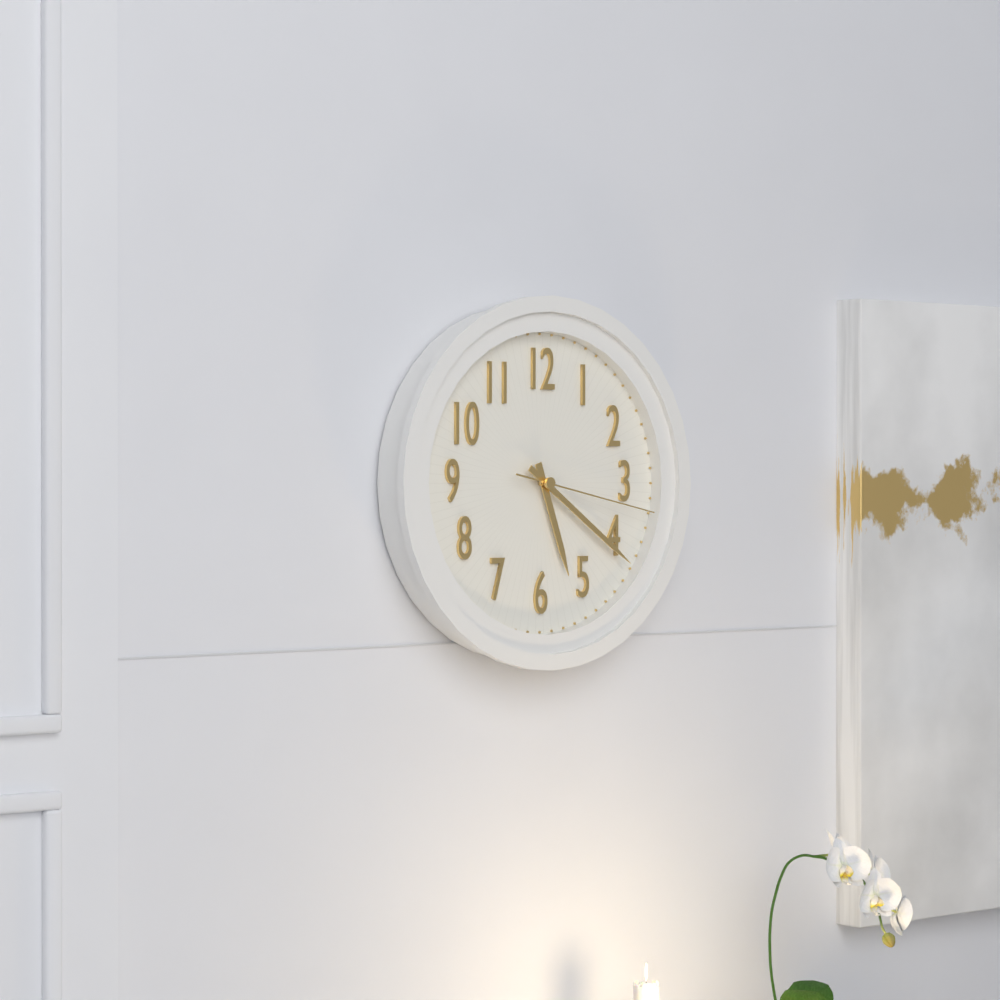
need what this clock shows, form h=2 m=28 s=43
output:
h=5 m=21 s=17
